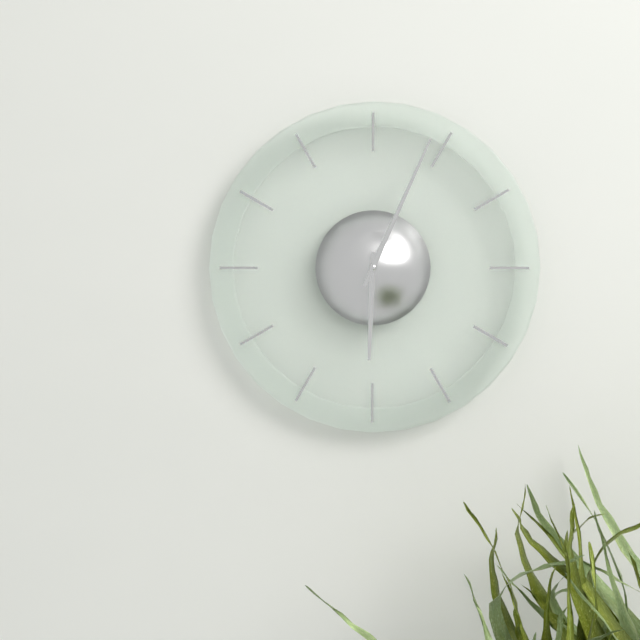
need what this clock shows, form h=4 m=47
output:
h=6 m=4
